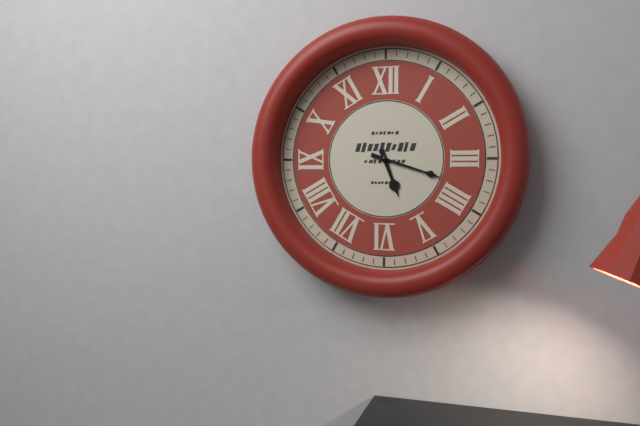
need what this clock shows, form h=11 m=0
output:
h=5 m=18
